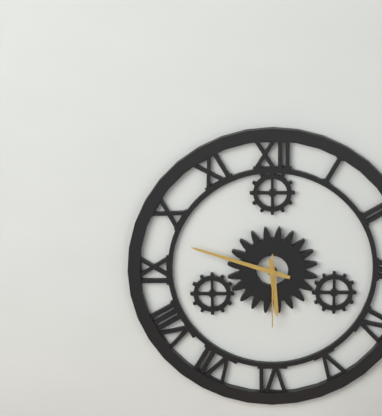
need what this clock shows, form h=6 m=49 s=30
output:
h=5 m=48 s=30
